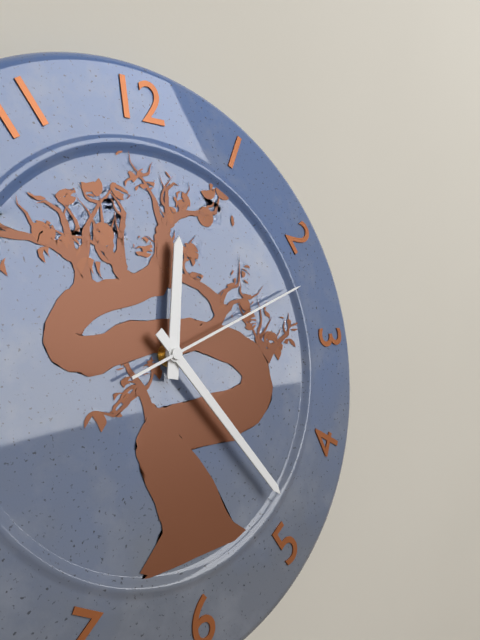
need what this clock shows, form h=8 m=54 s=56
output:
h=12 m=24 s=12
